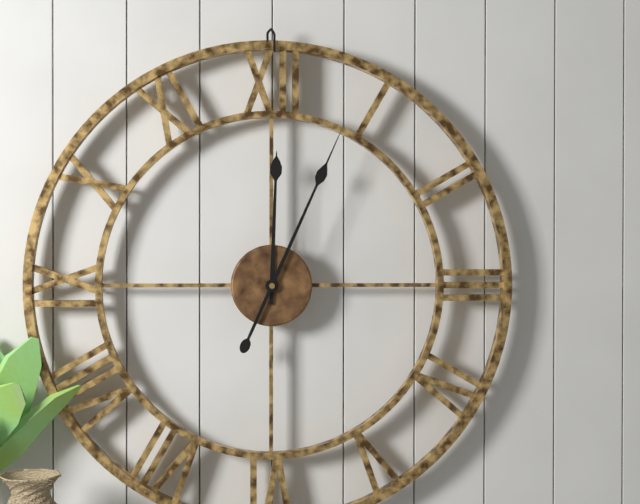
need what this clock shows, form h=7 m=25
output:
h=12 m=4
